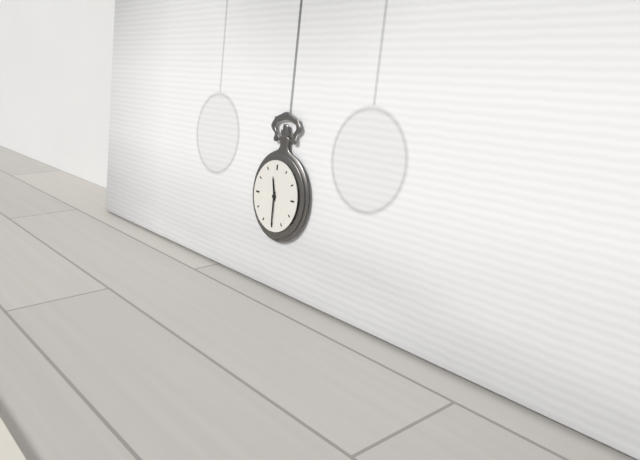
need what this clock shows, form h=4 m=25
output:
h=11 m=30
